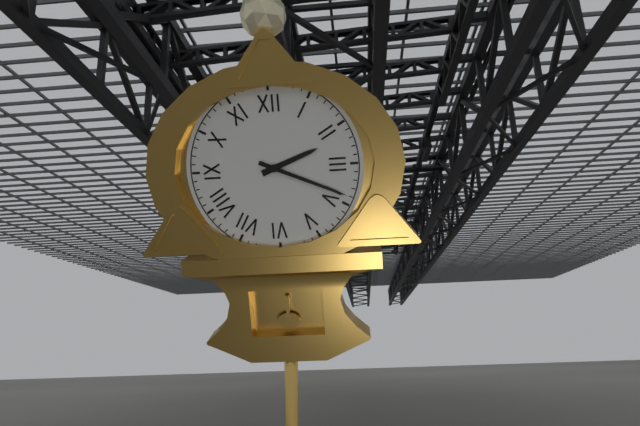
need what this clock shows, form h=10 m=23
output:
h=2 m=19
